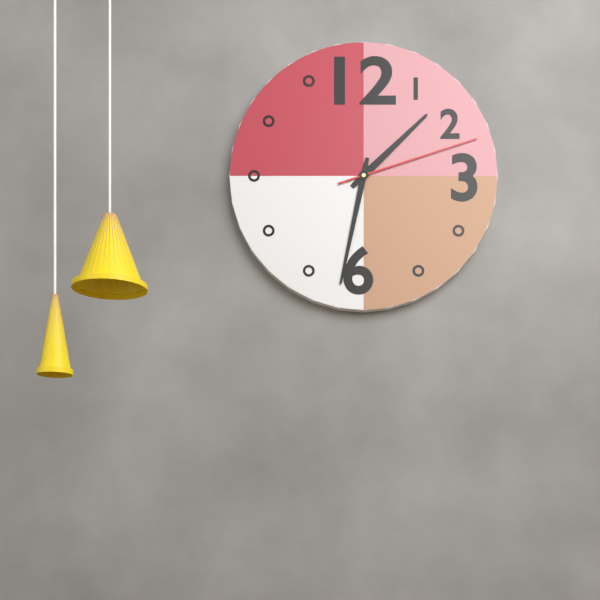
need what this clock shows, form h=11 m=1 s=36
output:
h=1 m=32 s=12
